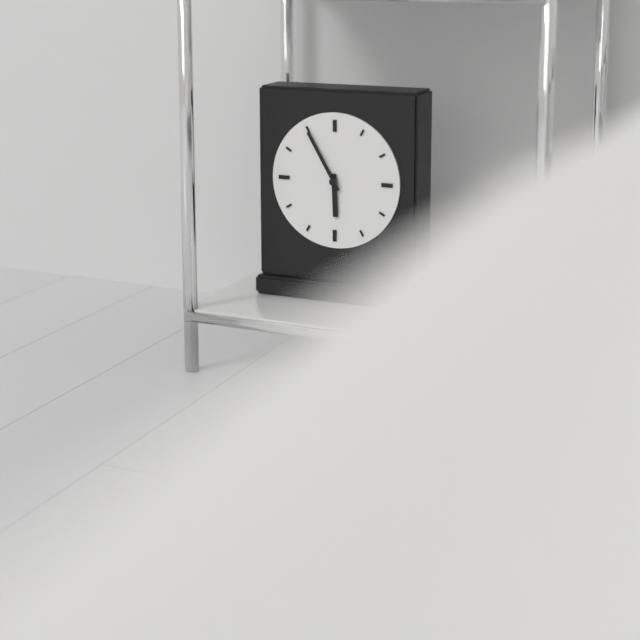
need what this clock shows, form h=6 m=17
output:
h=5 m=55
